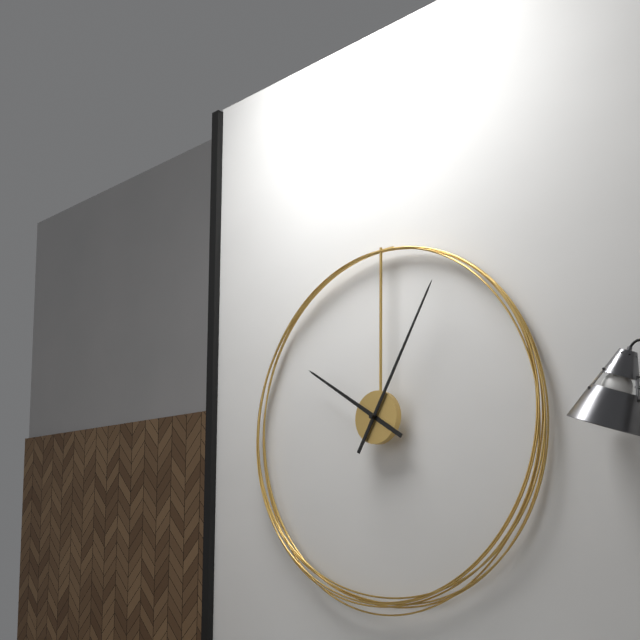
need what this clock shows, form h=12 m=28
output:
h=10 m=5
